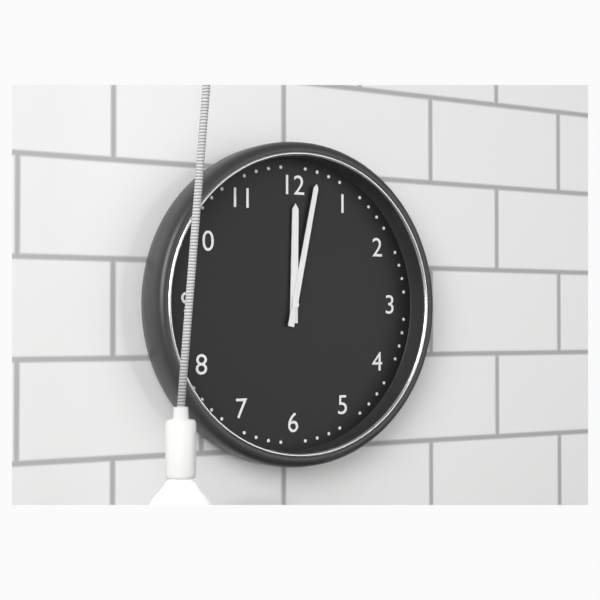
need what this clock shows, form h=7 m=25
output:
h=12 m=2
